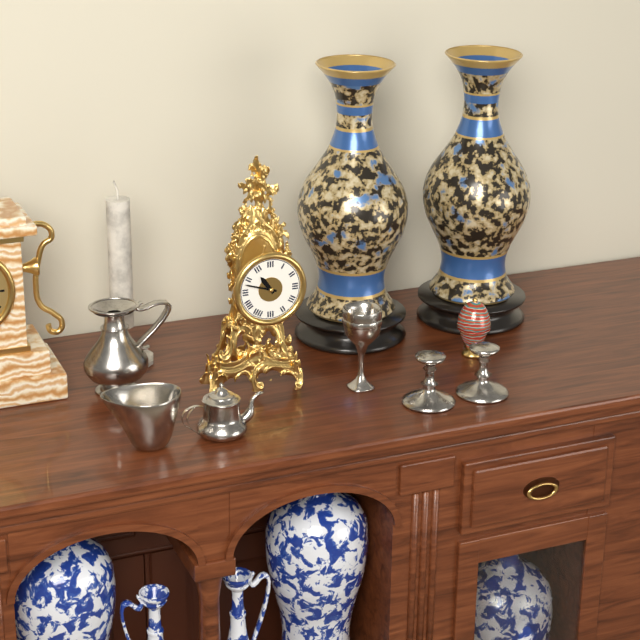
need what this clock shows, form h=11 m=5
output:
h=10 m=48
